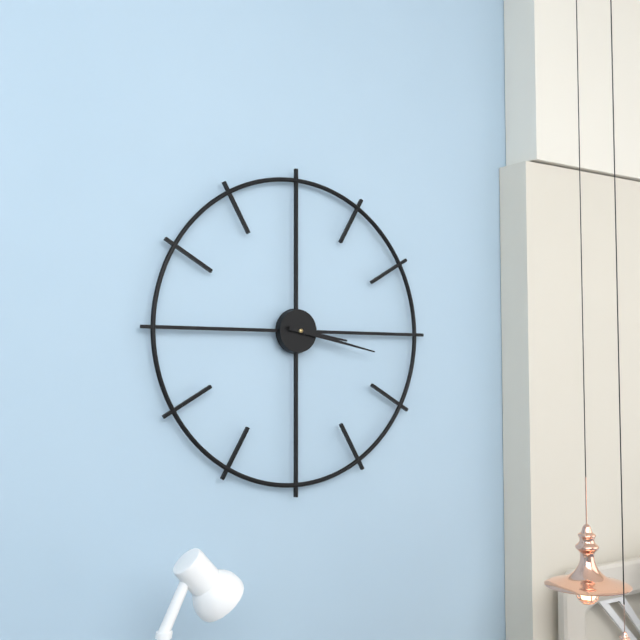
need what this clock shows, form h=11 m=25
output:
h=3 m=17
